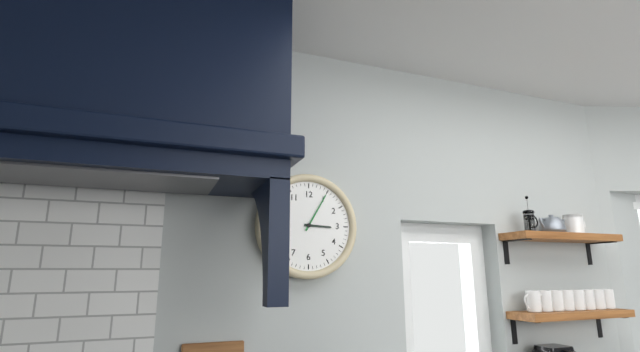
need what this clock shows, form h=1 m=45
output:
h=3 m=5
